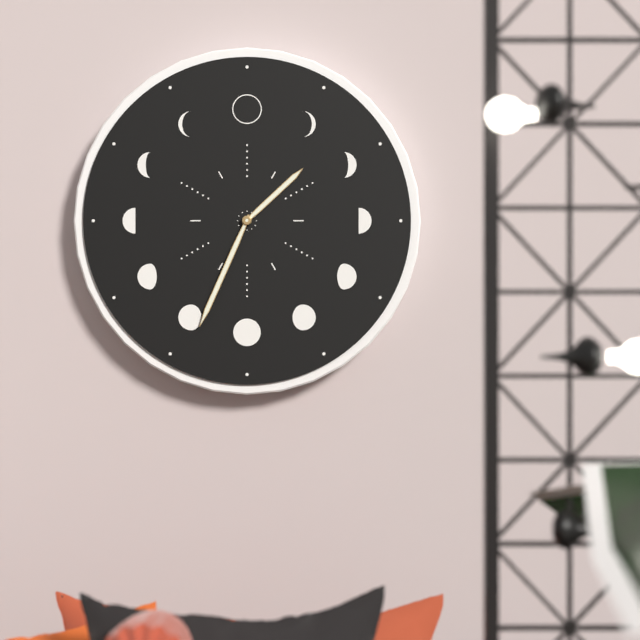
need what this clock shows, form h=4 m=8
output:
h=1 m=34
